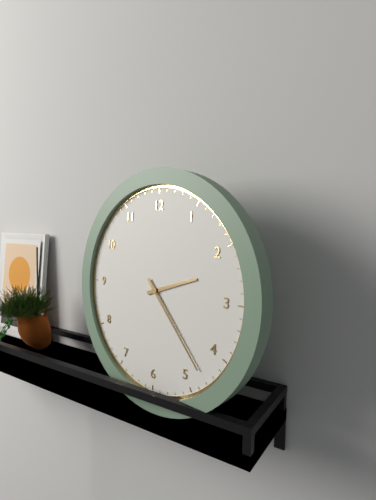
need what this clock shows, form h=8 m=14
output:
h=2 m=23
